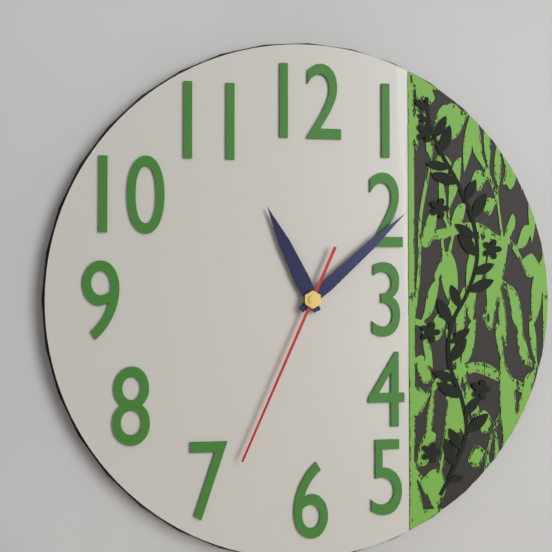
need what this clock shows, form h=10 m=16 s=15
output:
h=11 m=8 s=34
